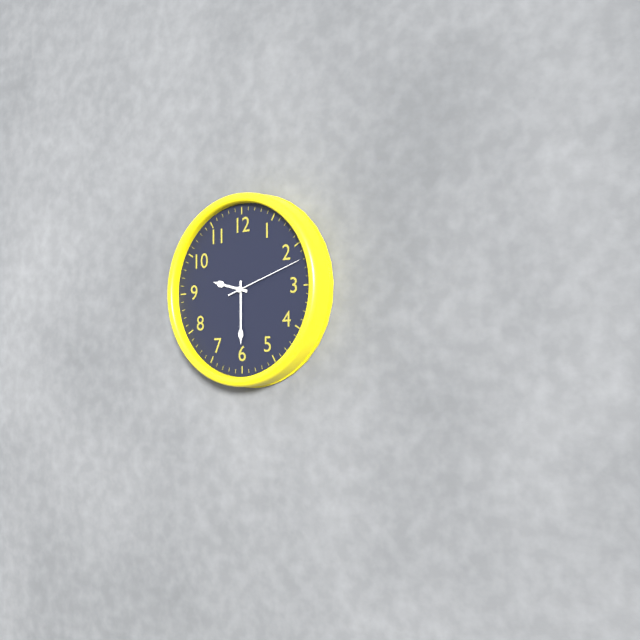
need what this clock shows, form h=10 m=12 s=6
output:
h=9 m=30 s=12
